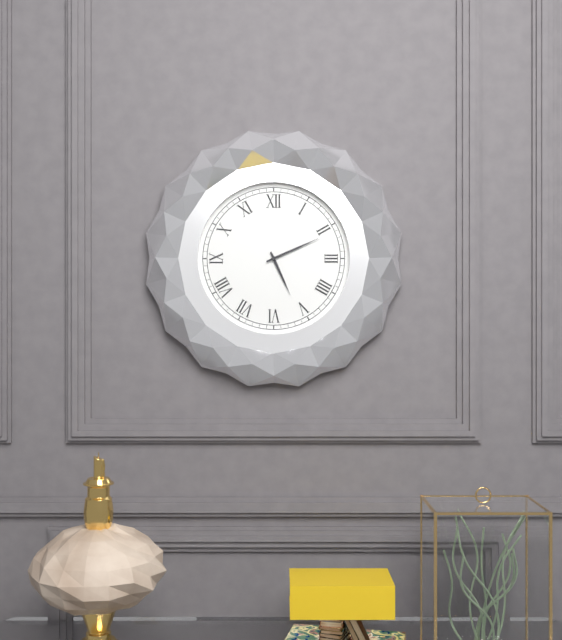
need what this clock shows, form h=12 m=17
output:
h=5 m=11
